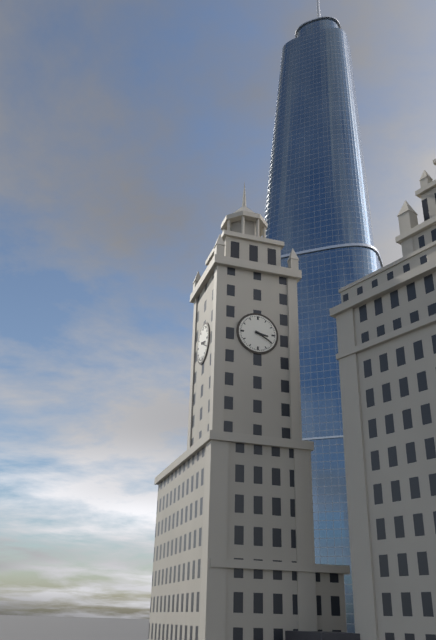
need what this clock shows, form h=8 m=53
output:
h=3 m=20
